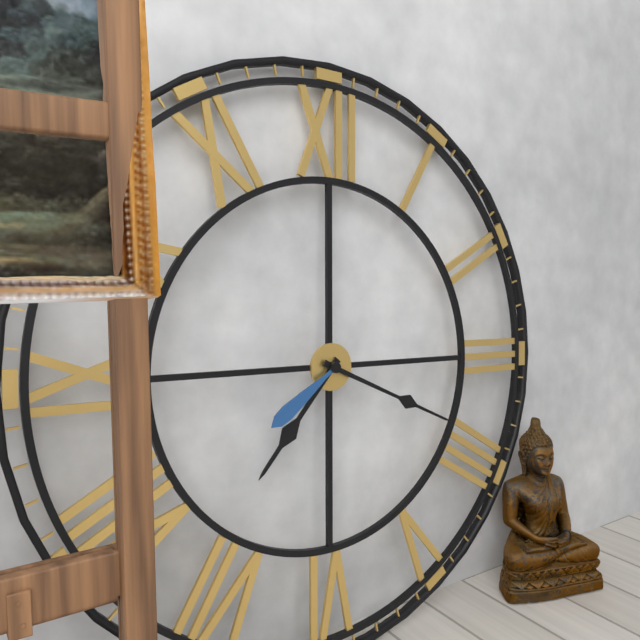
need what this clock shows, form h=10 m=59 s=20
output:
h=7 m=19 s=39
